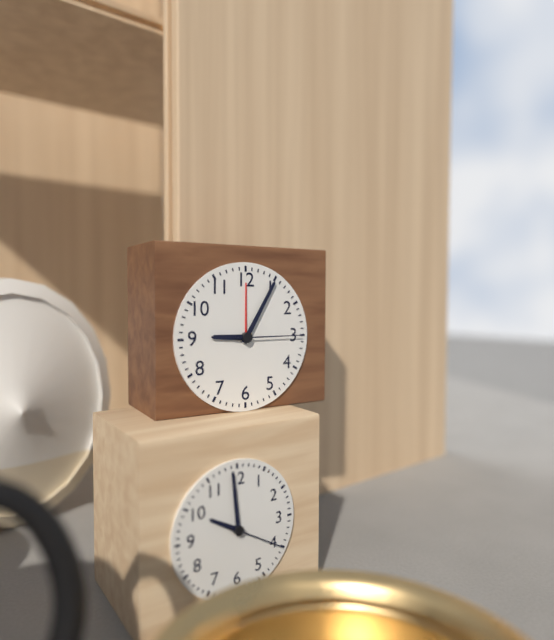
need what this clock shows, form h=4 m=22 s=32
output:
h=9 m=5 s=15
